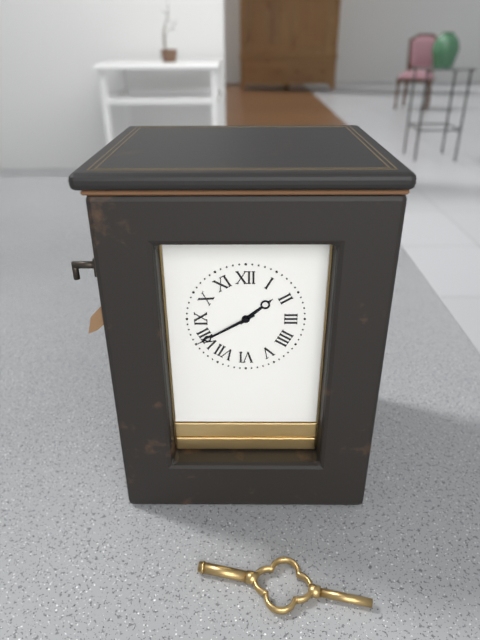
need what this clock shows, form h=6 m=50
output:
h=1 m=40
